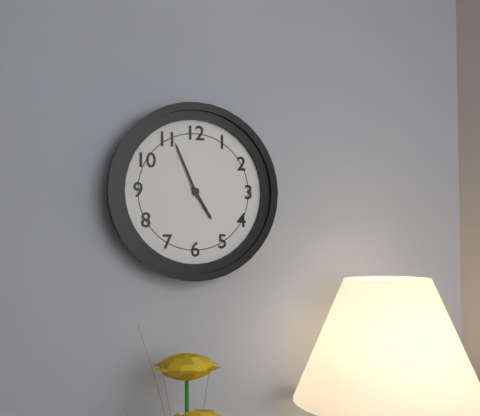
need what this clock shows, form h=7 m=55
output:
h=4 m=56
